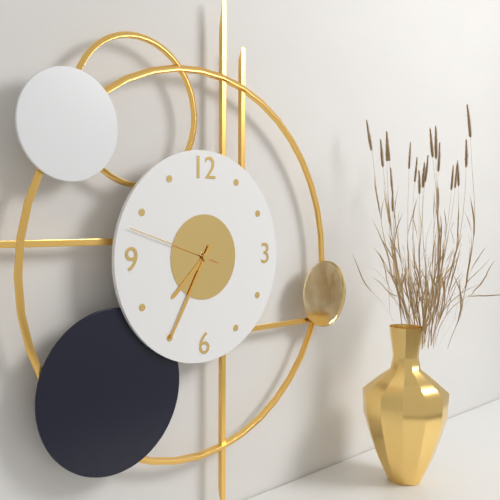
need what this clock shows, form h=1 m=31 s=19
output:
h=7 m=35 s=48
